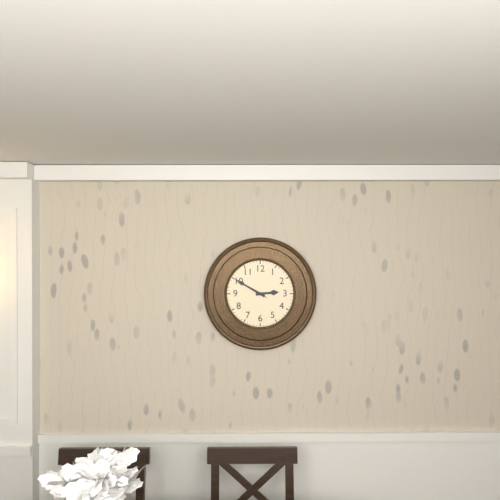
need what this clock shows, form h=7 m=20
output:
h=2 m=50
